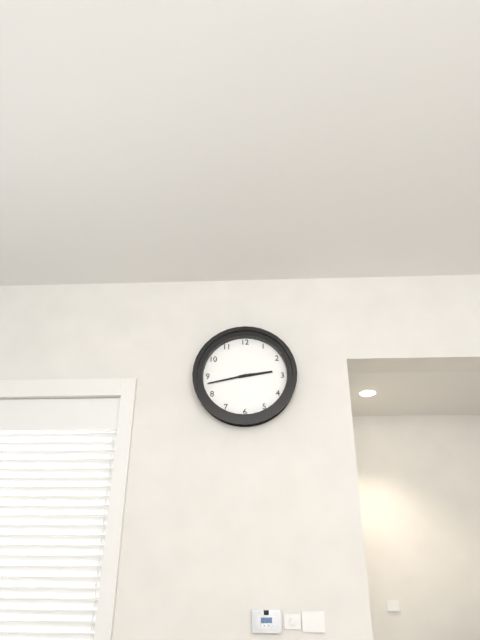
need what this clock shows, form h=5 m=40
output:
h=2 m=43
